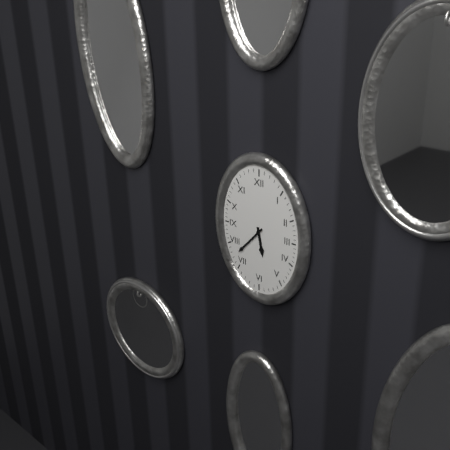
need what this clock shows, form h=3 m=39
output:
h=5 m=37
